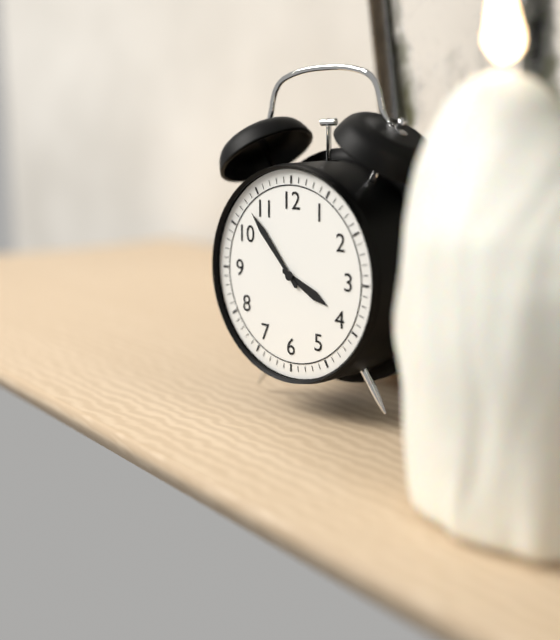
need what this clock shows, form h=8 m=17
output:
h=3 m=53
